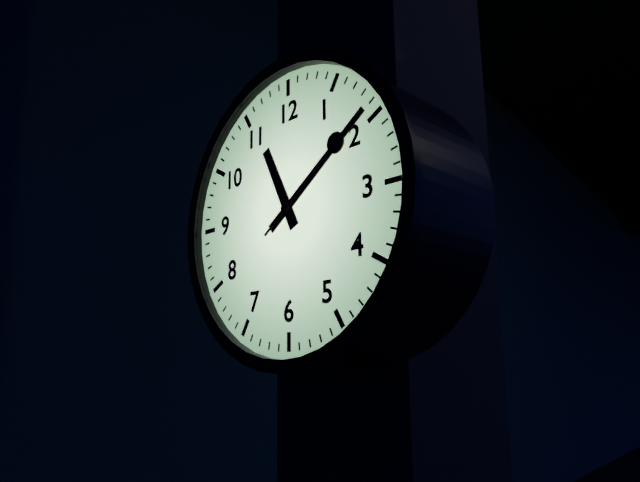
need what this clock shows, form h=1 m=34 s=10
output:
h=11 m=9 s=9
